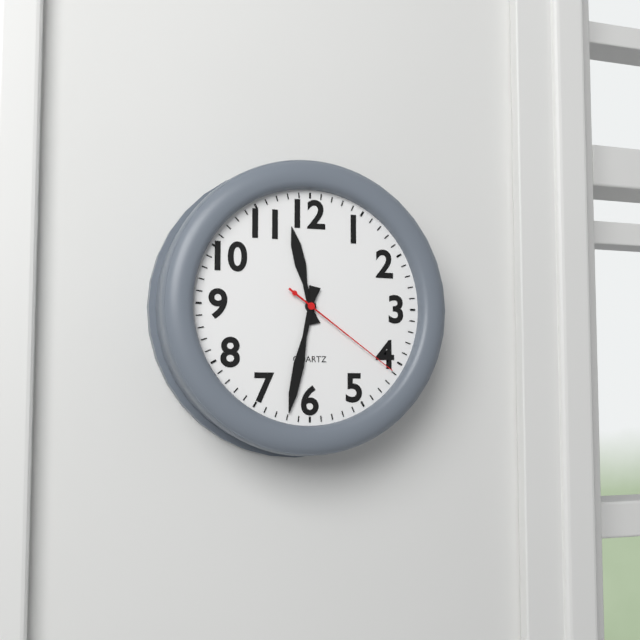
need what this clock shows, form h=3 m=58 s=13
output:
h=11 m=32 s=21
